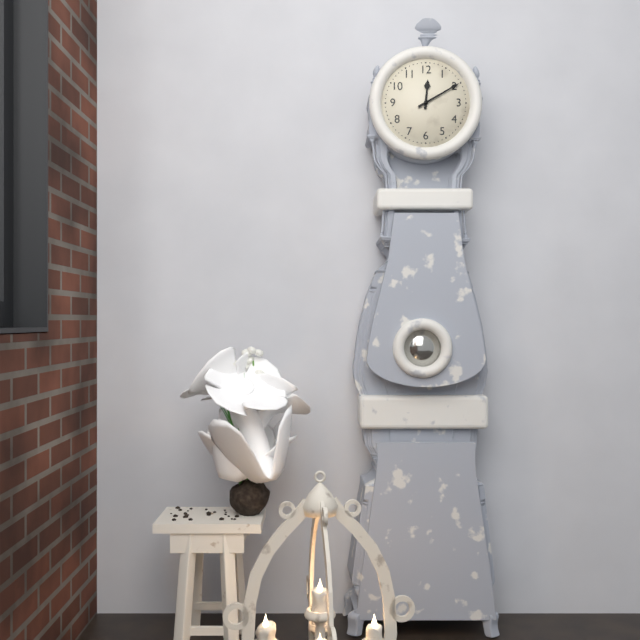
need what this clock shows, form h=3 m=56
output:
h=12 m=10
